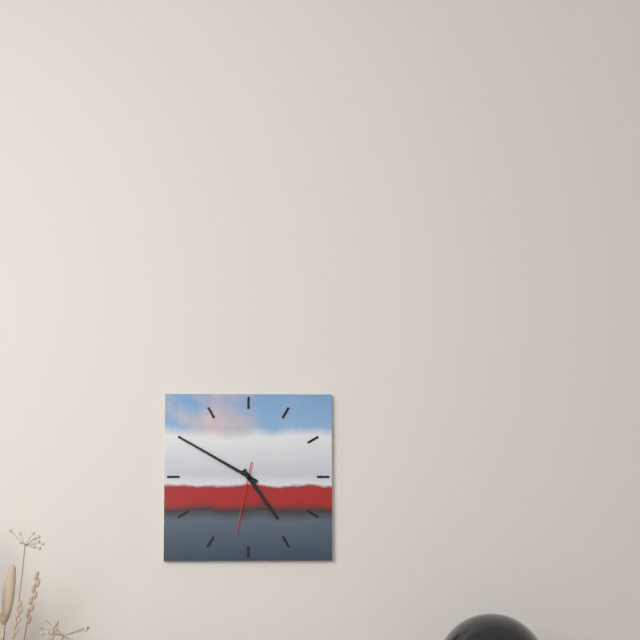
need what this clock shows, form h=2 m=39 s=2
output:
h=4 m=50 s=32
